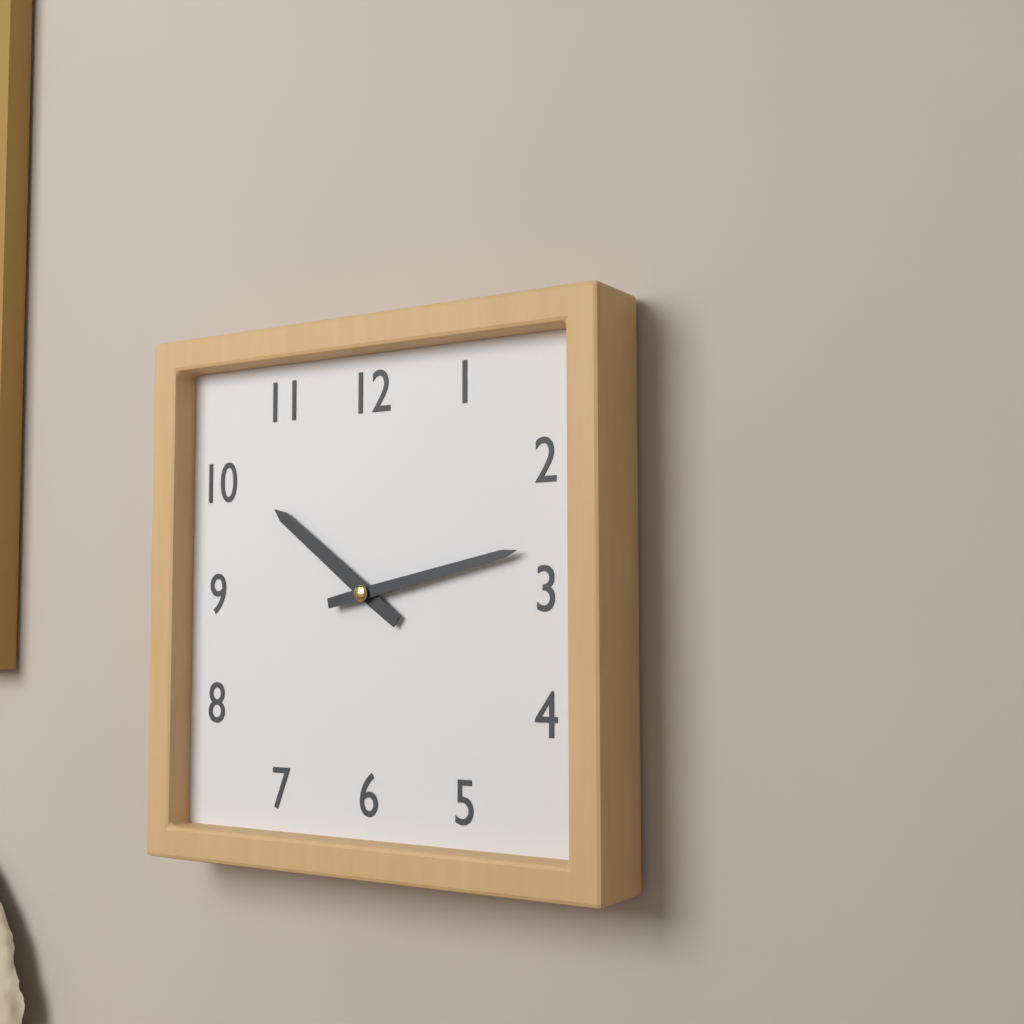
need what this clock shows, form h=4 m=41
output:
h=10 m=13
